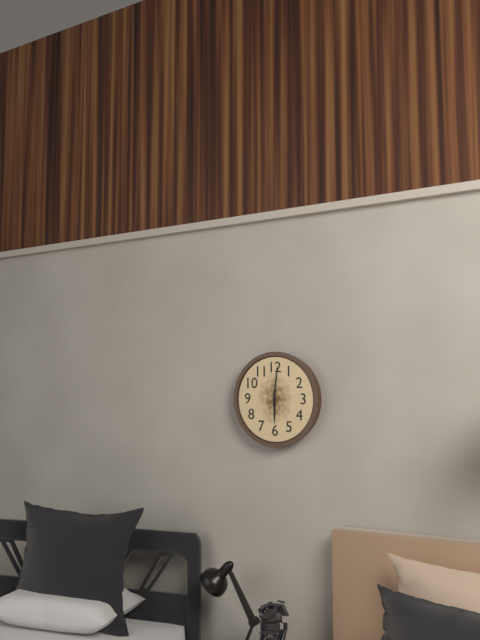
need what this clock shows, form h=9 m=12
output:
h=6 m=1
